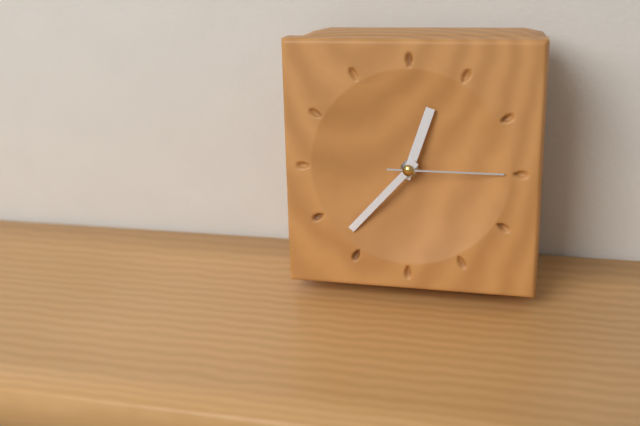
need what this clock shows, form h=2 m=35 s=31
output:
h=12 m=37 s=15
